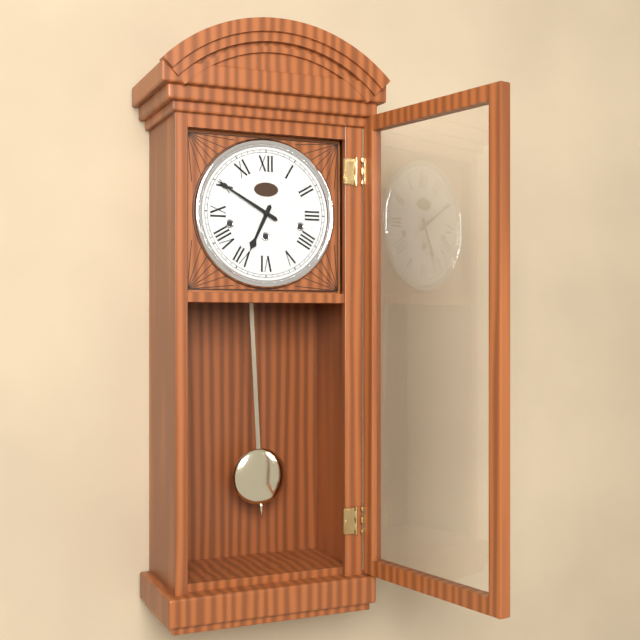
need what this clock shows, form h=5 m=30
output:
h=6 m=50
